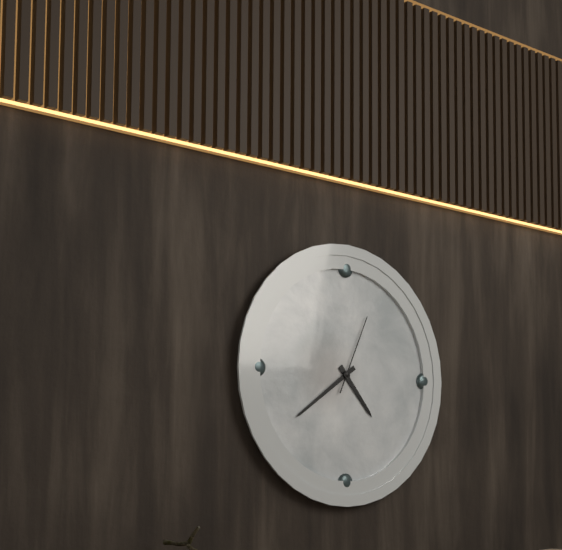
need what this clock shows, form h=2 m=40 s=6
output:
h=4 m=39 s=4
